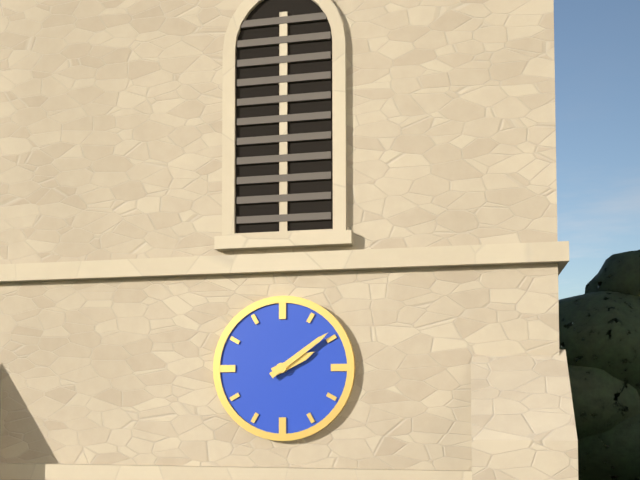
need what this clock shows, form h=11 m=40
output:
h=2 m=9
